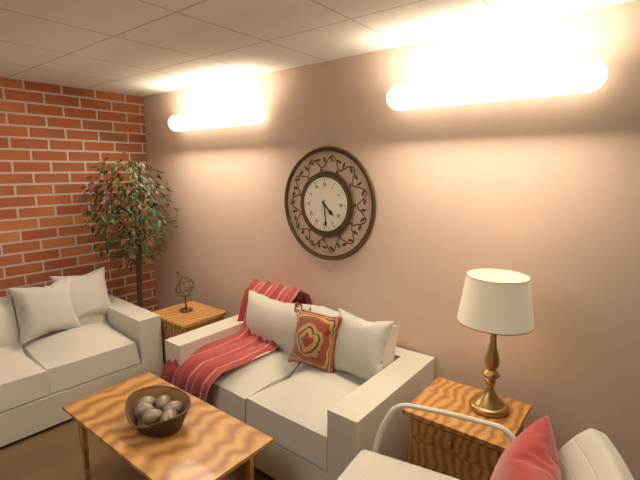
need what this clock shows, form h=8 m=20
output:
h=4 m=29
